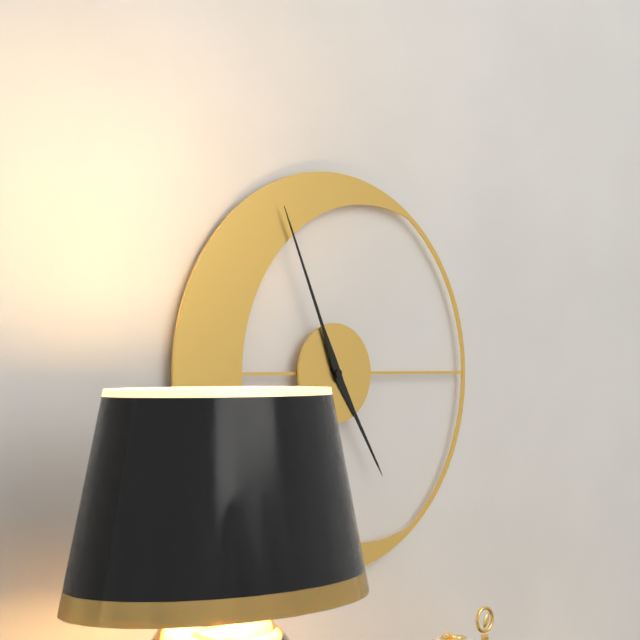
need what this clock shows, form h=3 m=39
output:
h=4 m=56
